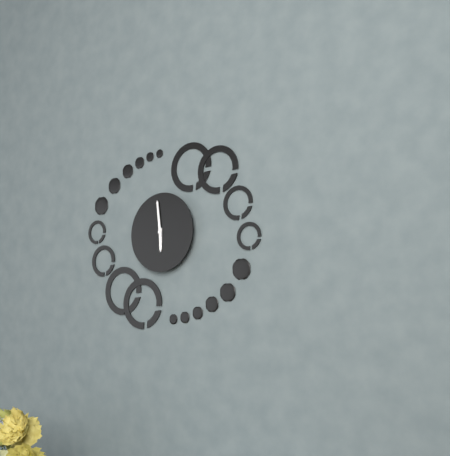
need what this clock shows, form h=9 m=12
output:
h=5 m=59
